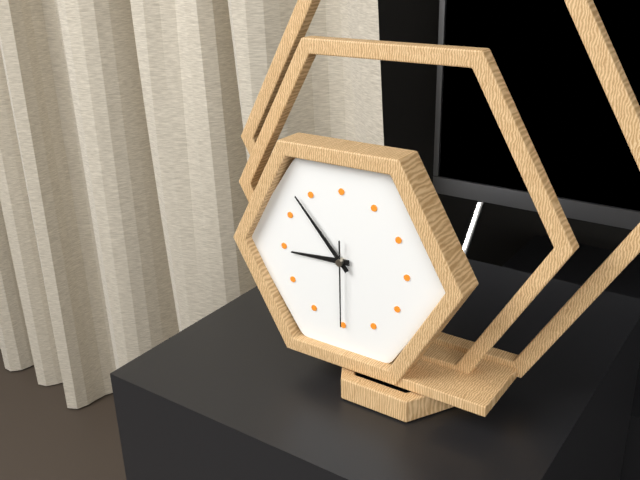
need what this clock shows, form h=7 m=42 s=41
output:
h=8 m=53 s=30
